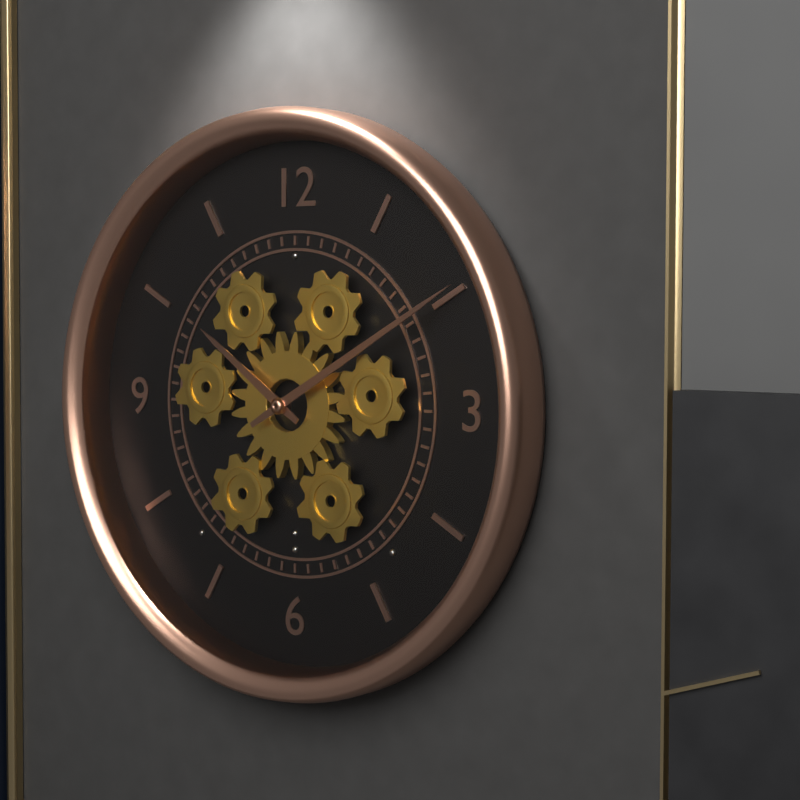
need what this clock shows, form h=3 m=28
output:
h=10 m=10
